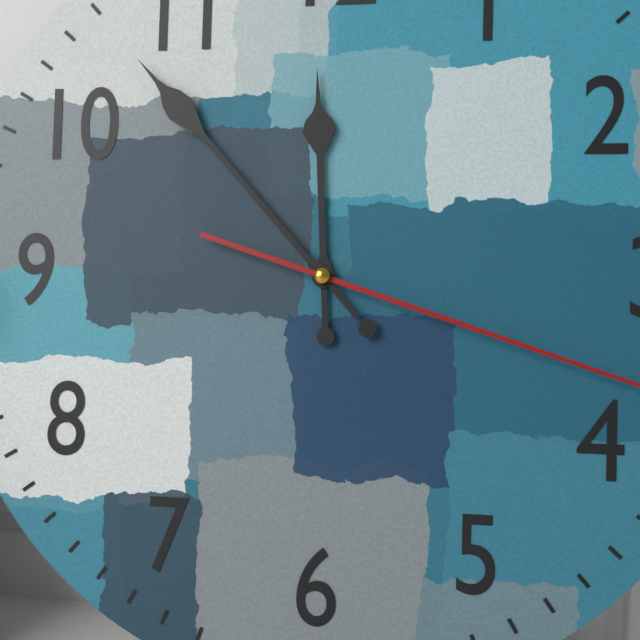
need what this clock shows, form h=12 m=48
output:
h=11 m=53
